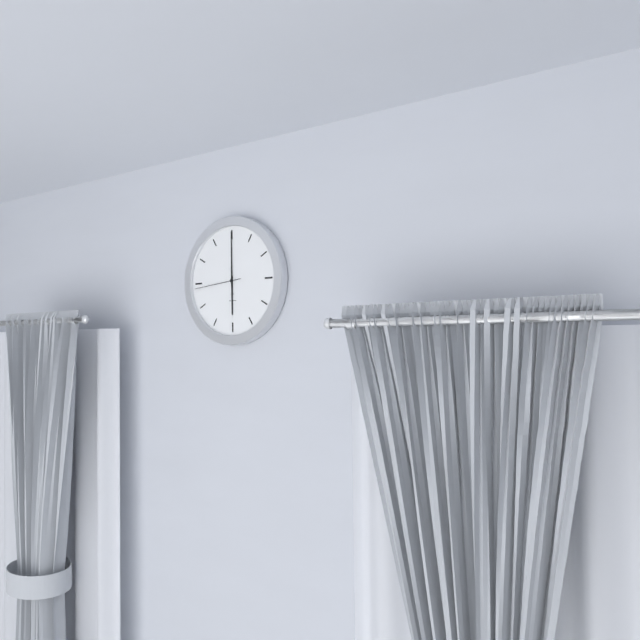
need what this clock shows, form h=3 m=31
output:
h=6 m=0
